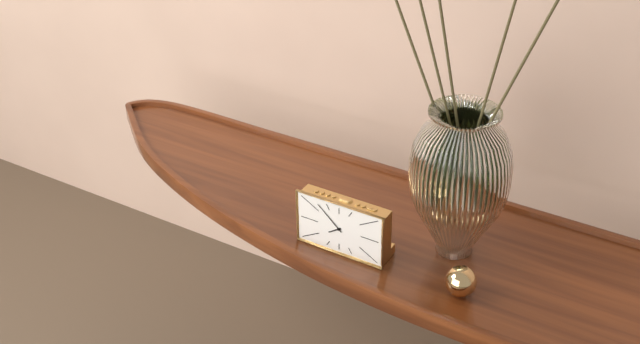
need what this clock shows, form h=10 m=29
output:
h=7 m=52
